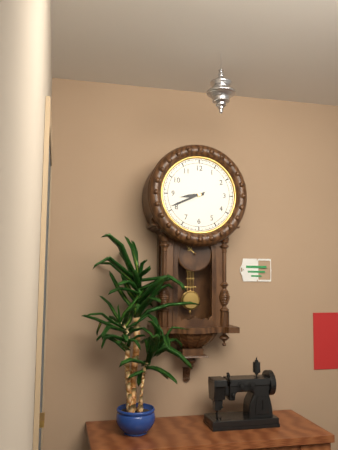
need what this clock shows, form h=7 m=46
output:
h=8 m=41
